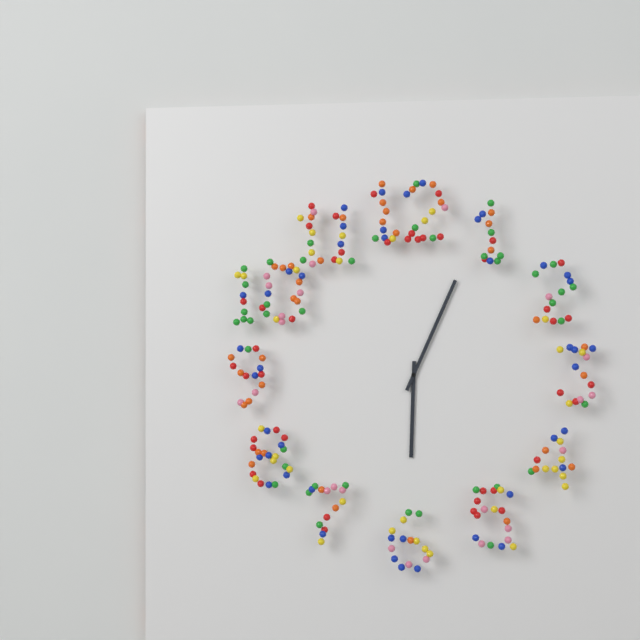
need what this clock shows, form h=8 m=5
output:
h=6 m=4
